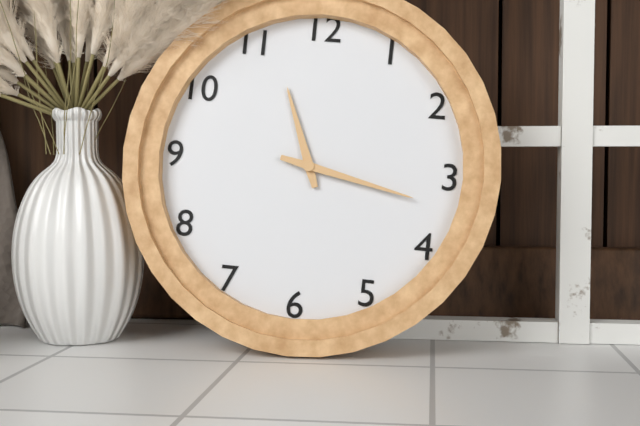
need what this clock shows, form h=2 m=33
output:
h=11 m=17
